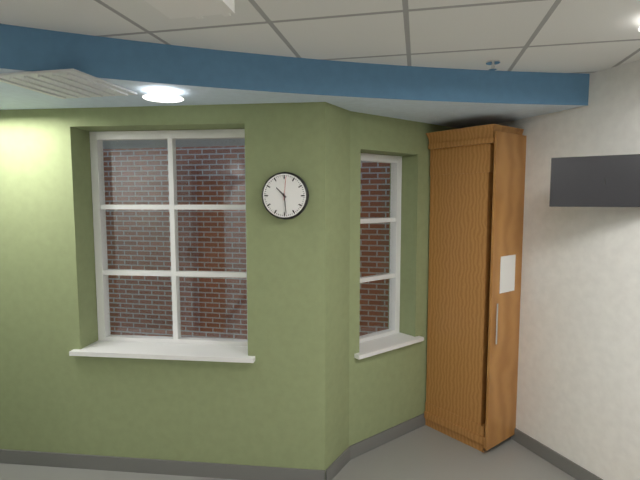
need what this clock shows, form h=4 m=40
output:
h=10 m=29
